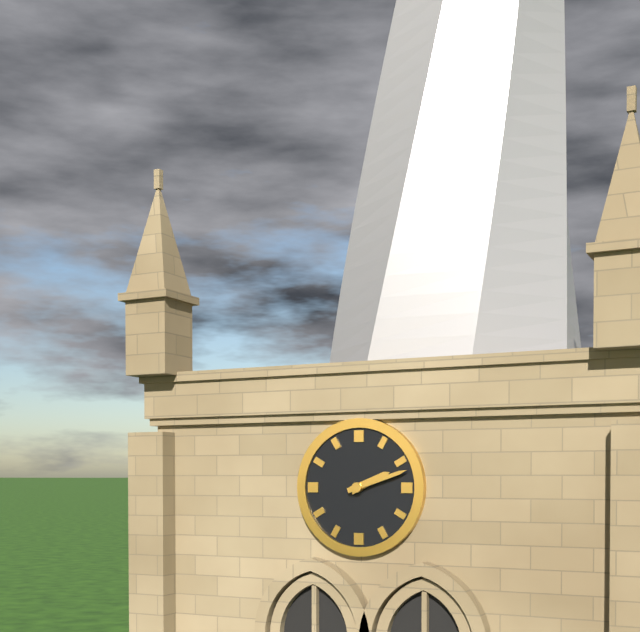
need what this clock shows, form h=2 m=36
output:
h=2 m=12
